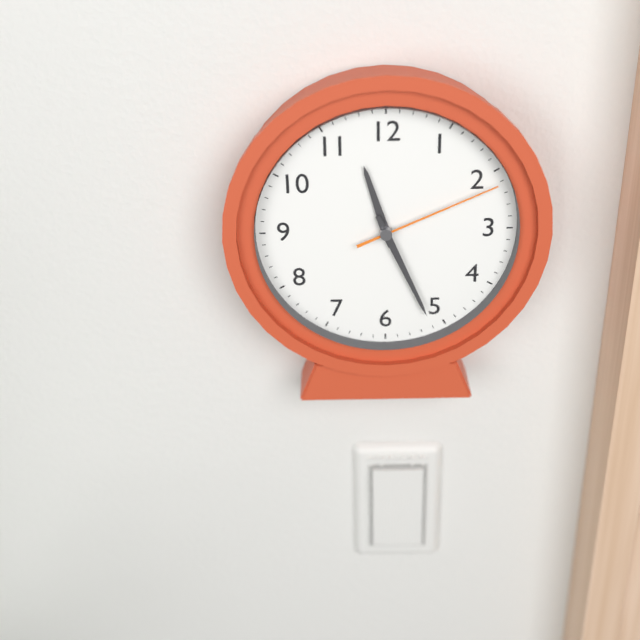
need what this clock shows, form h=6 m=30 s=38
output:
h=11 m=26 s=11
